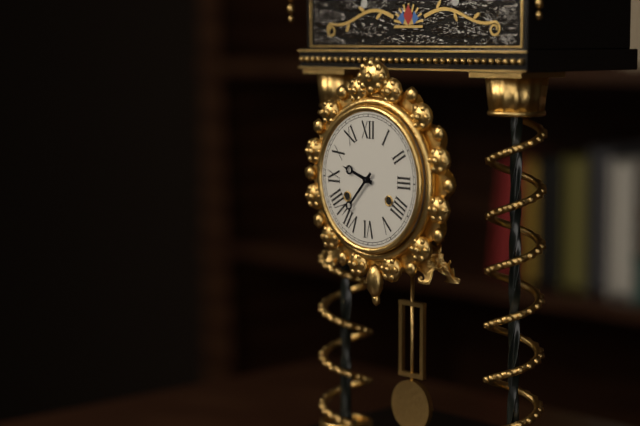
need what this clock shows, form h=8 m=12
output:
h=9 m=37
